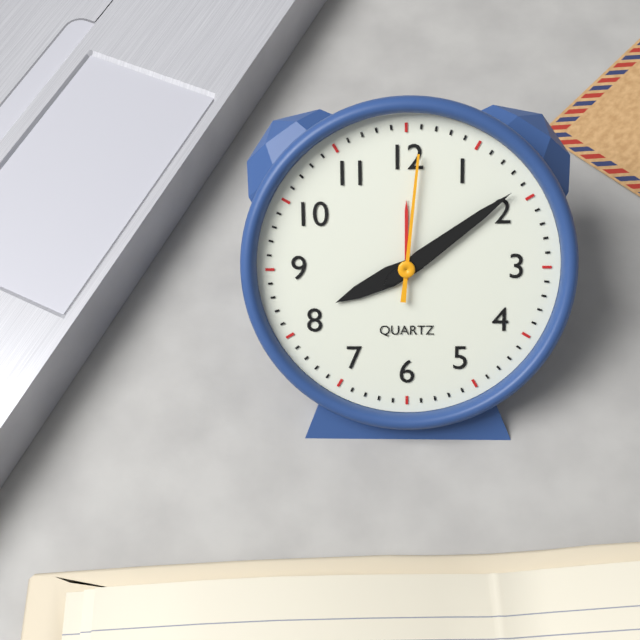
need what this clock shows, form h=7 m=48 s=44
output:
h=8 m=9 s=1
